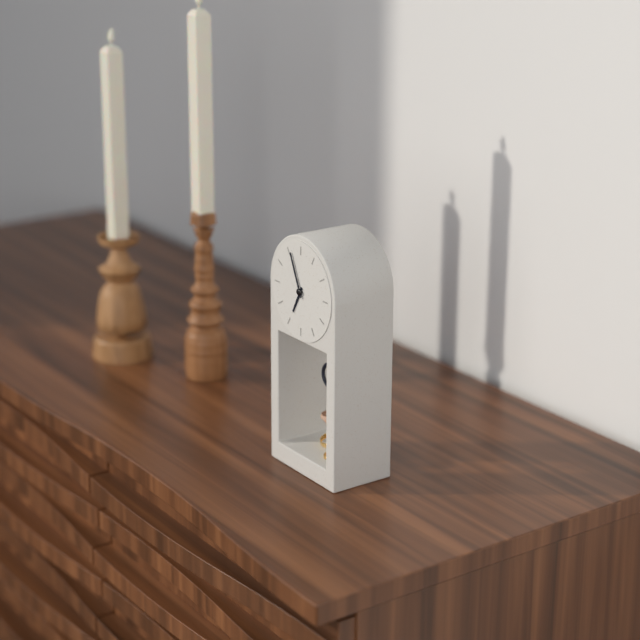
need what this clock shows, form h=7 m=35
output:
h=6 m=56
